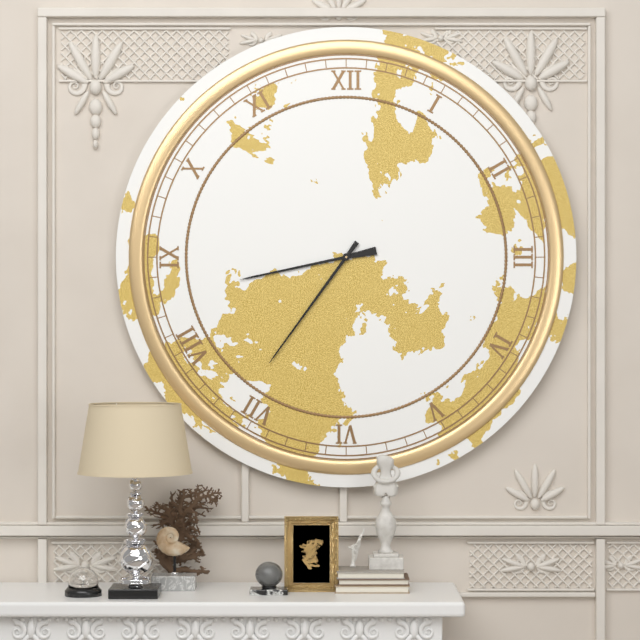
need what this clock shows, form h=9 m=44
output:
h=8 m=36
